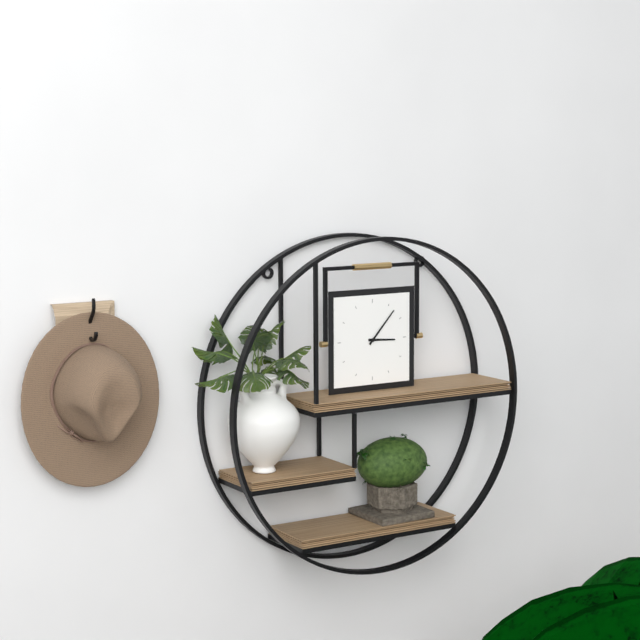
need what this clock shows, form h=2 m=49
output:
h=3 m=7
